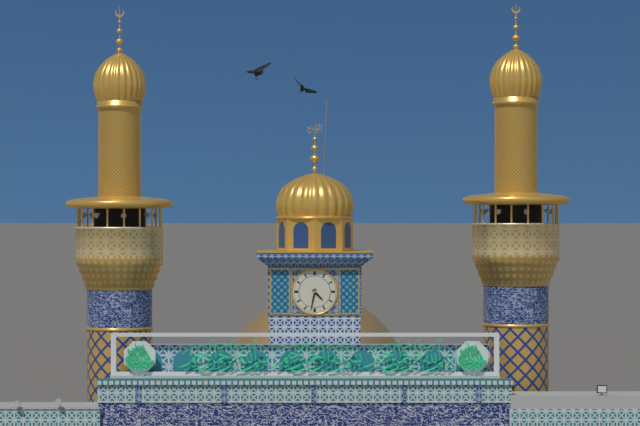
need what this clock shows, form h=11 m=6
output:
h=4 m=32
